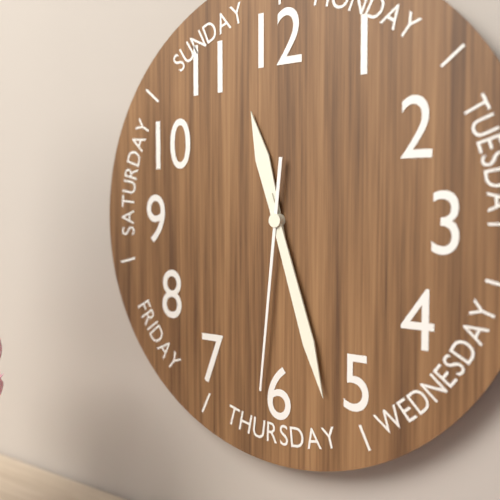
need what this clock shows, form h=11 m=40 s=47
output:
h=11 m=27 s=31
